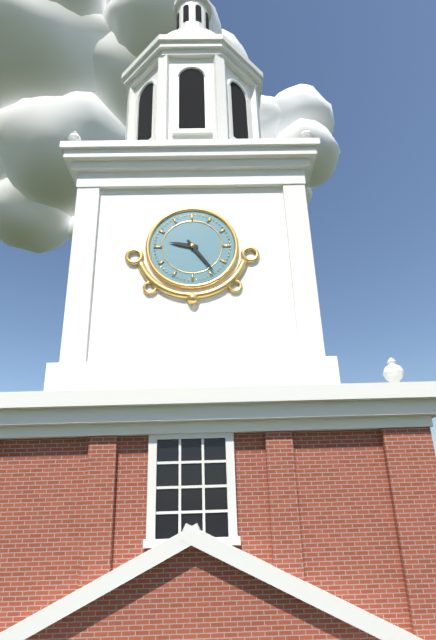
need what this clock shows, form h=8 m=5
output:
h=9 m=24
